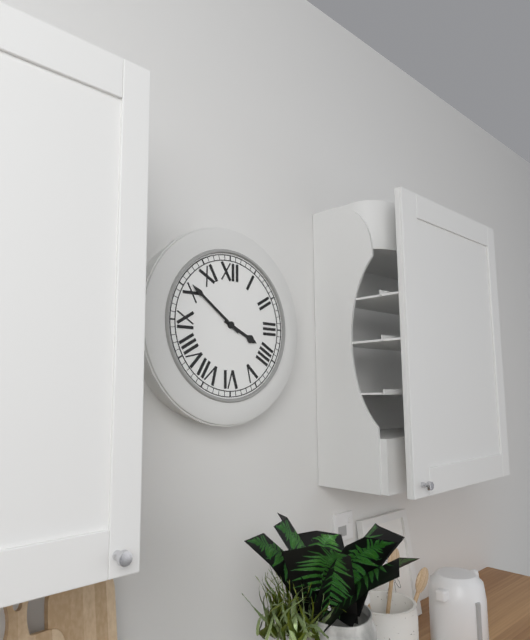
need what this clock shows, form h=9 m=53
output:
h=3 m=51
